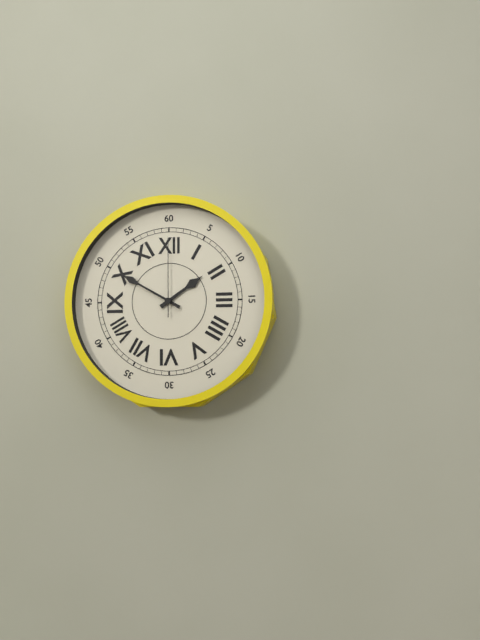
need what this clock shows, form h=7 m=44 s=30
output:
h=1 m=50 s=0
